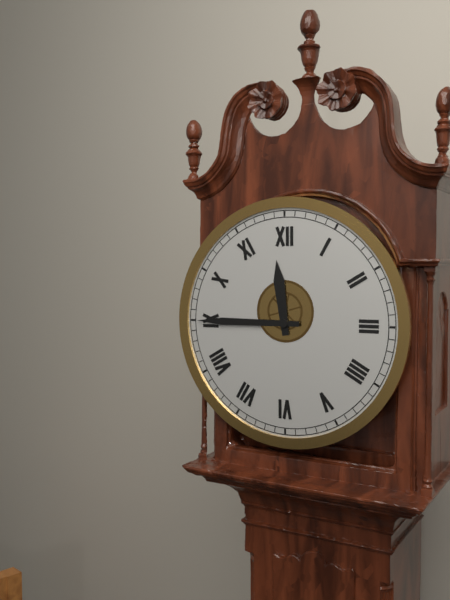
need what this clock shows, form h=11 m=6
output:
h=11 m=45
